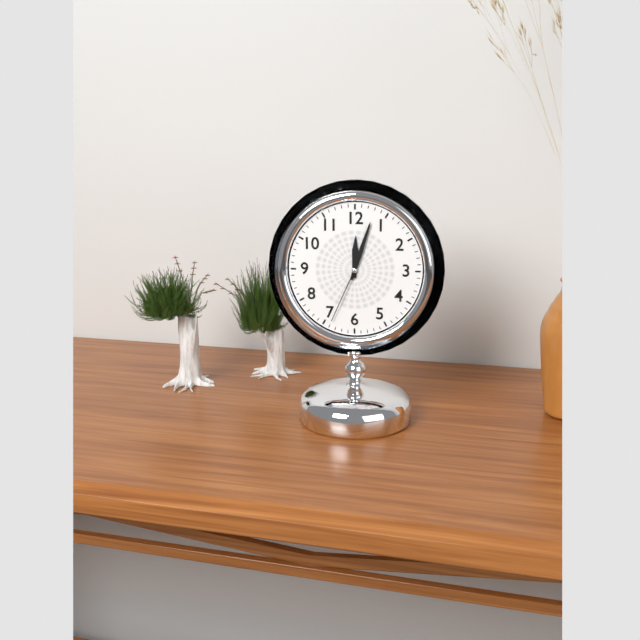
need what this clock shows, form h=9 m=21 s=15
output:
h=12 m=3 s=34
